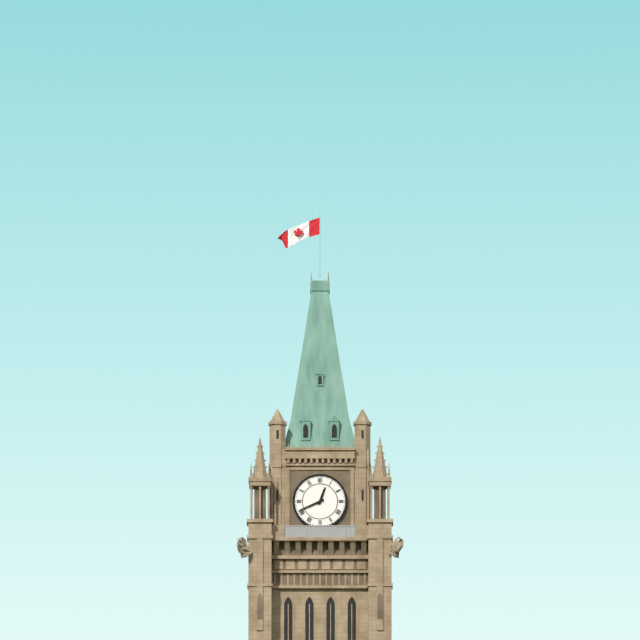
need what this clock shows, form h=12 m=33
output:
h=12 m=41
